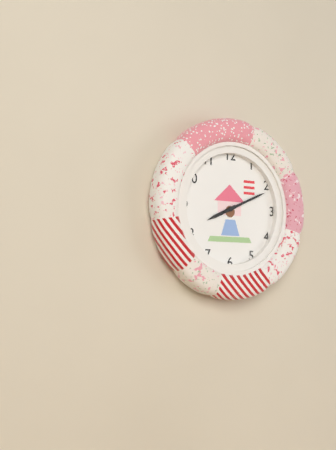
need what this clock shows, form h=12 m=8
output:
h=8 m=11
